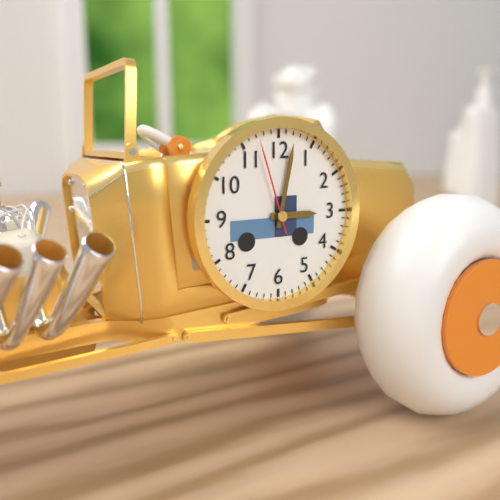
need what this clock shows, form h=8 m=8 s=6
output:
h=3 m=2 s=57
